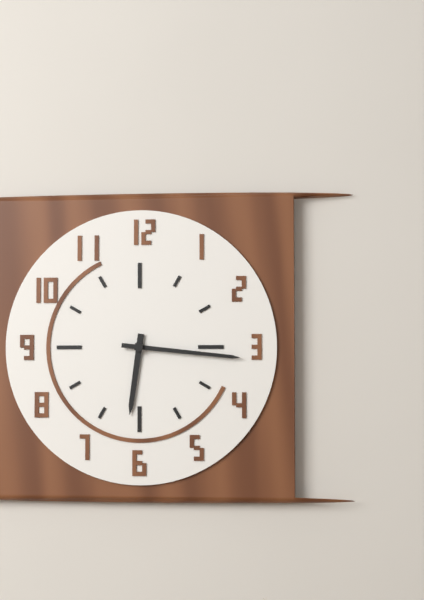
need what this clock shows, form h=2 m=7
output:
h=6 m=16
